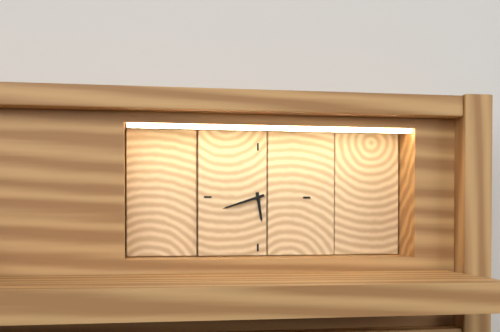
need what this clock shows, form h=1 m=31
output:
h=5 m=42
